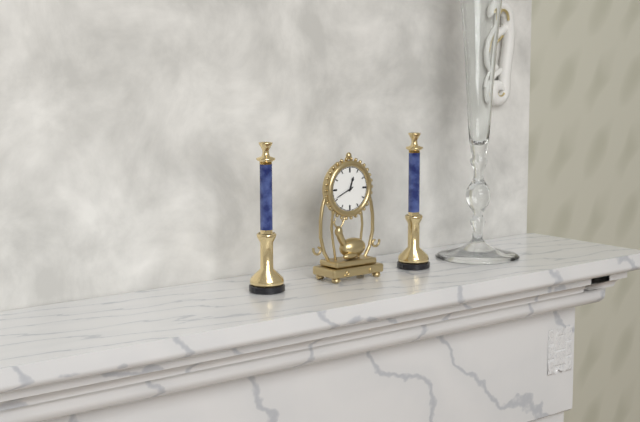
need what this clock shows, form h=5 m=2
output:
h=12 m=41
